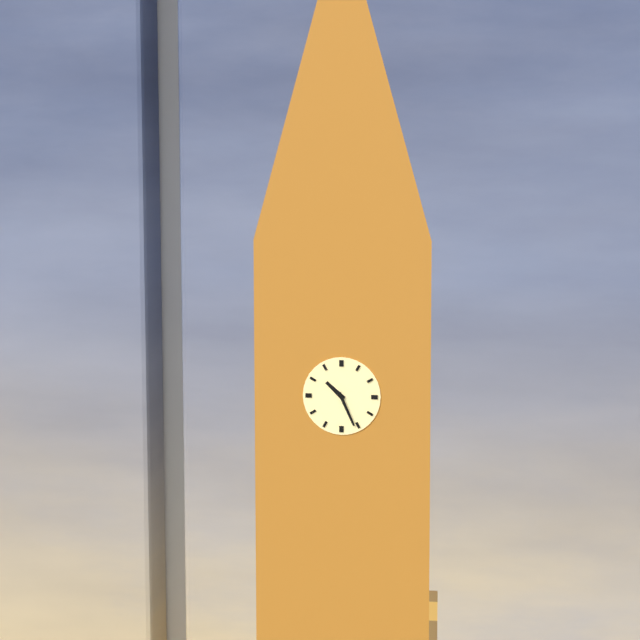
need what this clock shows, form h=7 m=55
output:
h=10 m=26
